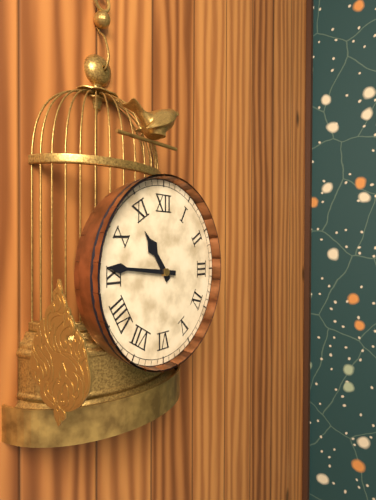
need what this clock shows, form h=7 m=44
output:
h=10 m=46
